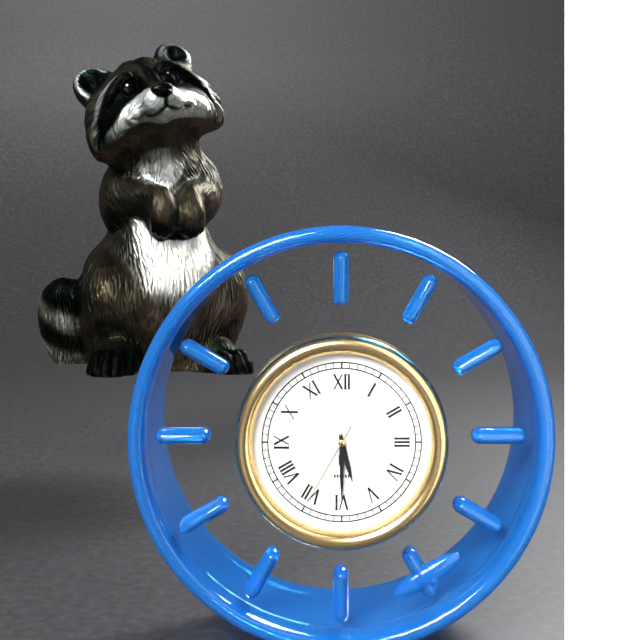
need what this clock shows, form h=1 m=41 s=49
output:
h=5 m=30 s=35
